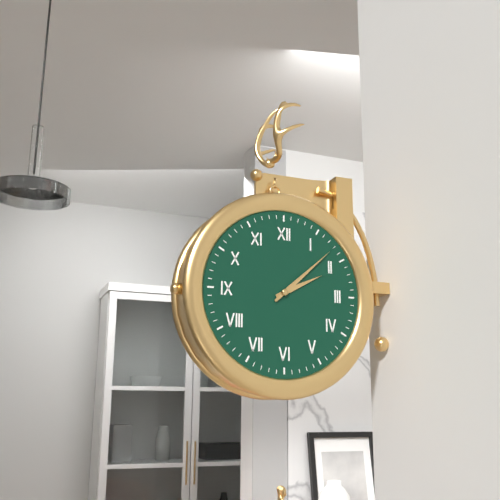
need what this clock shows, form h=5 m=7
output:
h=2 m=8
